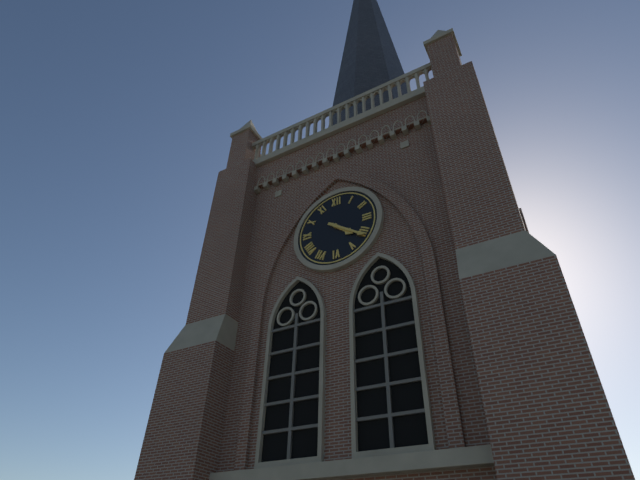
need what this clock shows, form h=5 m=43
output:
h=4 m=21
